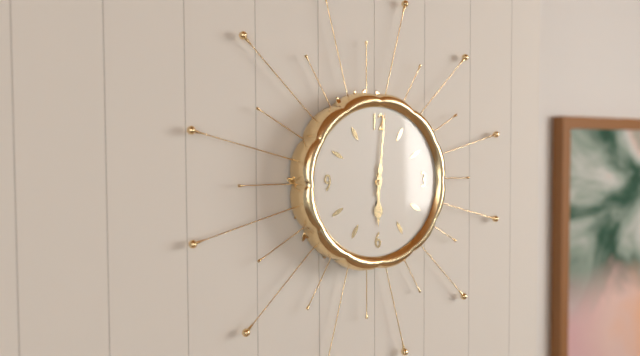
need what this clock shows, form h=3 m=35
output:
h=6 m=1
